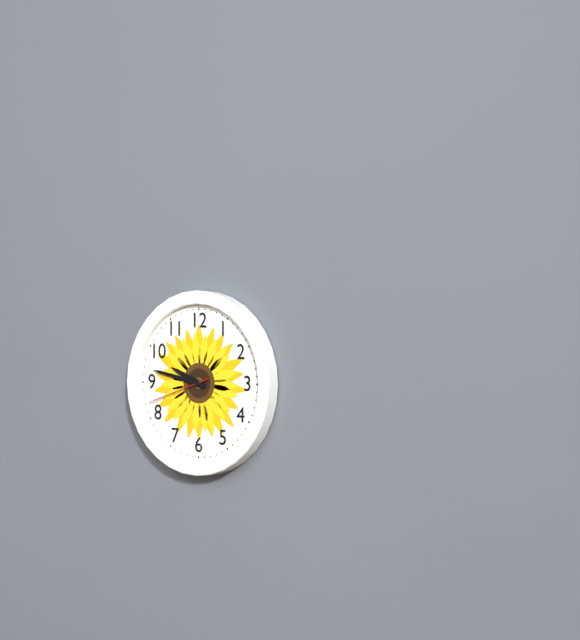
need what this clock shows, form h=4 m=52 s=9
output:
h=9 m=47 s=42
